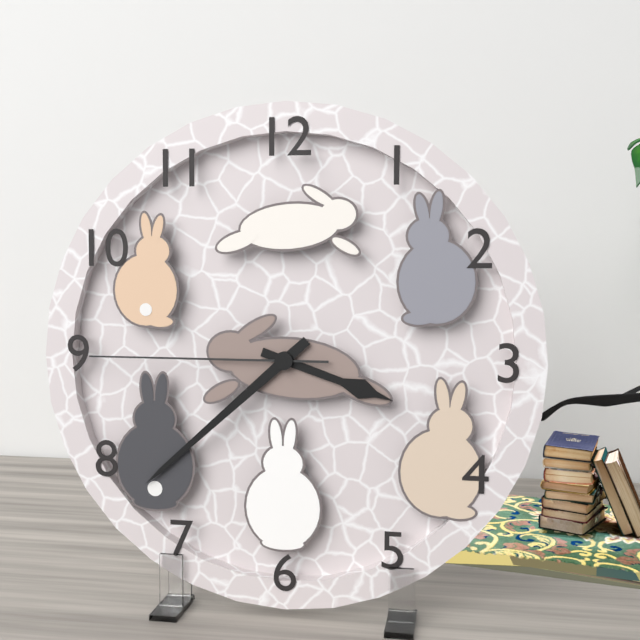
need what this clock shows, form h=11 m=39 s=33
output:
h=3 m=38 s=45
